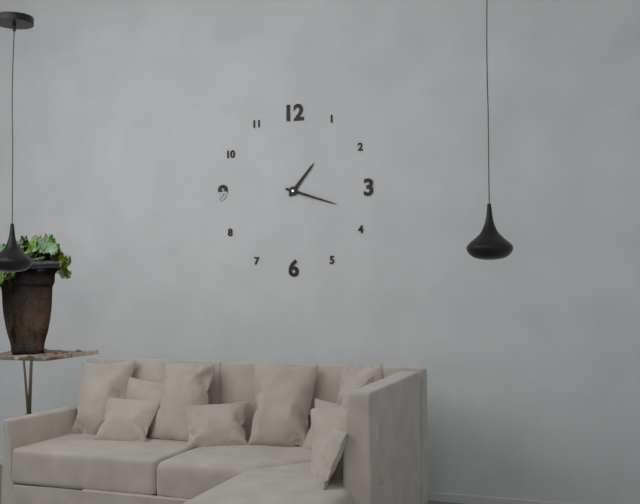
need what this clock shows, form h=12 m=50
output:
h=1 m=18
